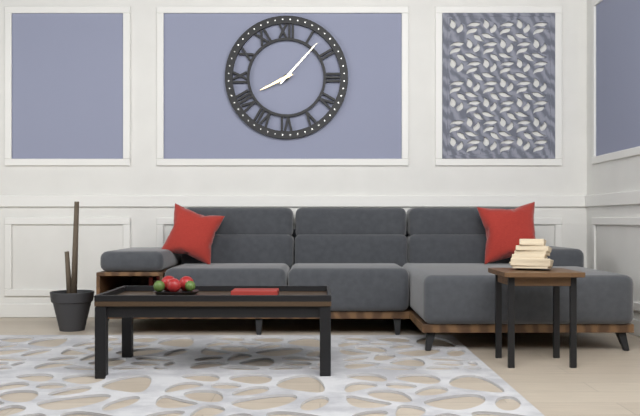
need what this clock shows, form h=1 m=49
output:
h=8 m=7
